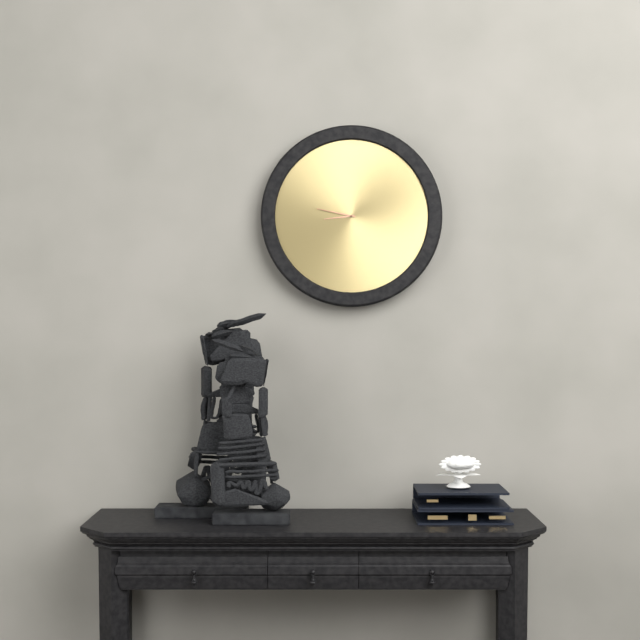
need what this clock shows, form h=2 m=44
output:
h=8 m=47
